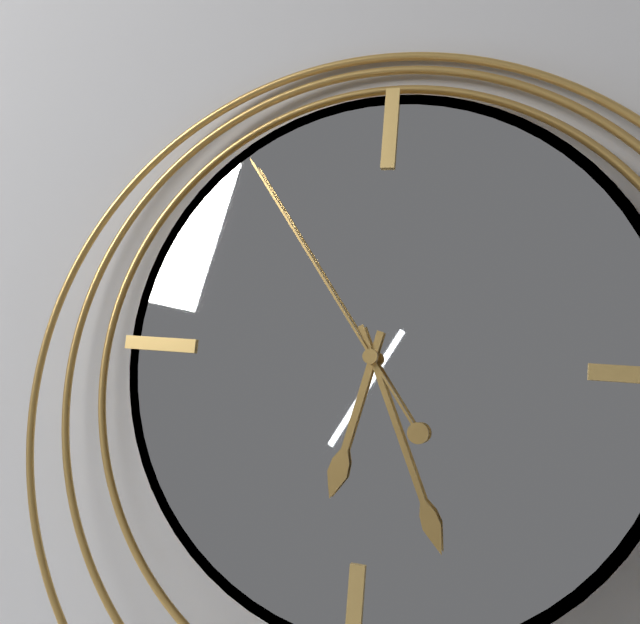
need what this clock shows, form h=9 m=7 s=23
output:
h=6 m=26 s=54
